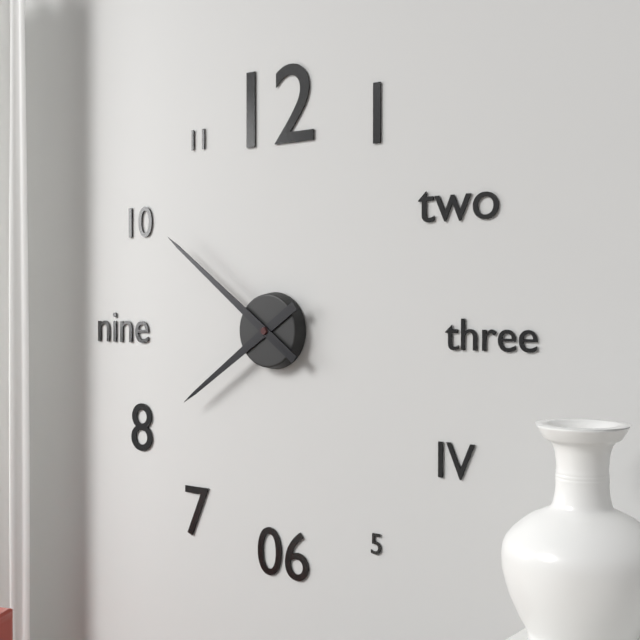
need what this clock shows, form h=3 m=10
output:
h=7 m=51
